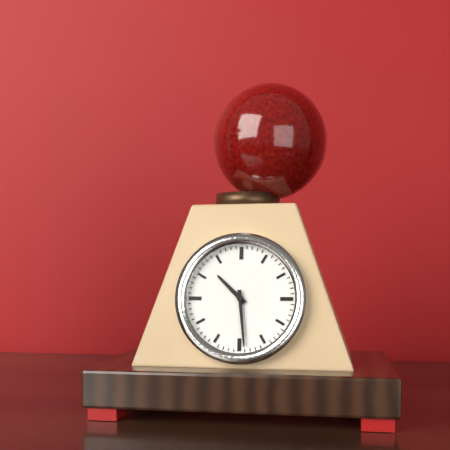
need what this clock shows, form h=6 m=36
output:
h=10 m=29
